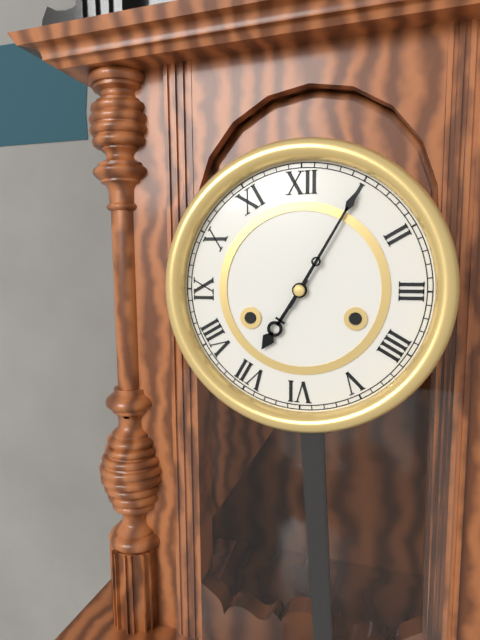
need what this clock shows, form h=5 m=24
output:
h=7 m=5
